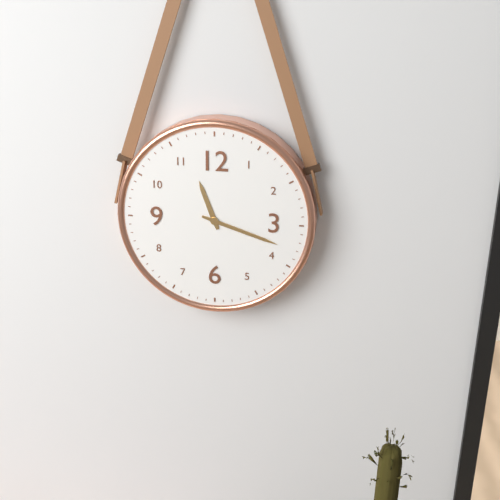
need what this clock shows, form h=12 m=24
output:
h=11 m=18
